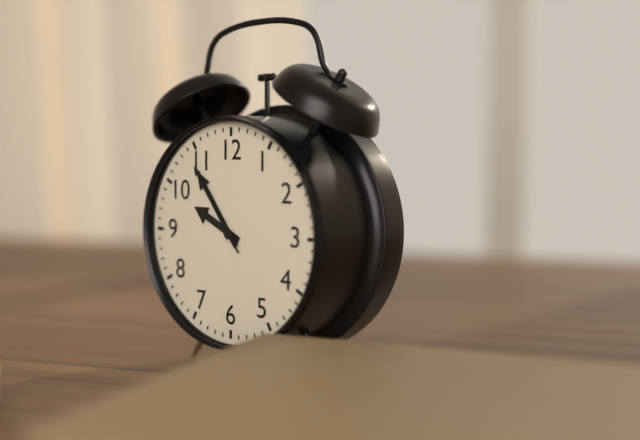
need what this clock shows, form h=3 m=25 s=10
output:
h=9 m=54 s=54
